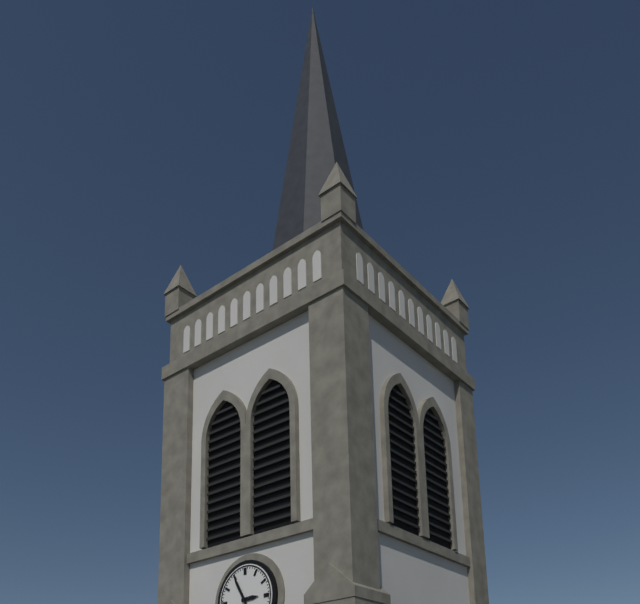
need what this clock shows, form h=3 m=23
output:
h=2 m=55
